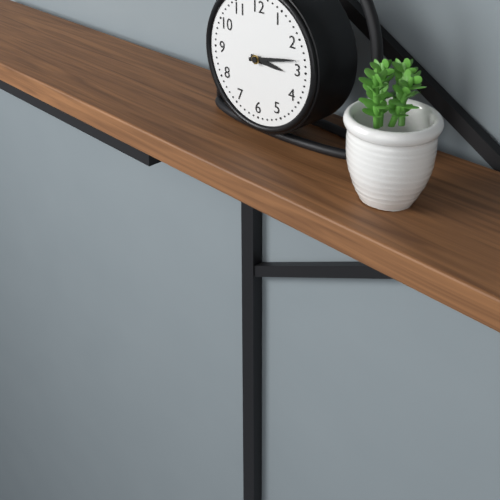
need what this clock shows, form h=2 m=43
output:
h=3 m=13
